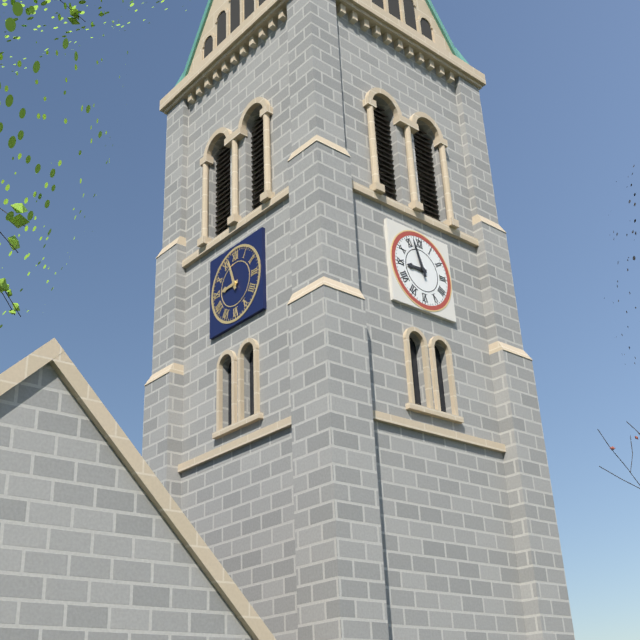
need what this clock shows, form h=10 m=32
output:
h=8 m=57
